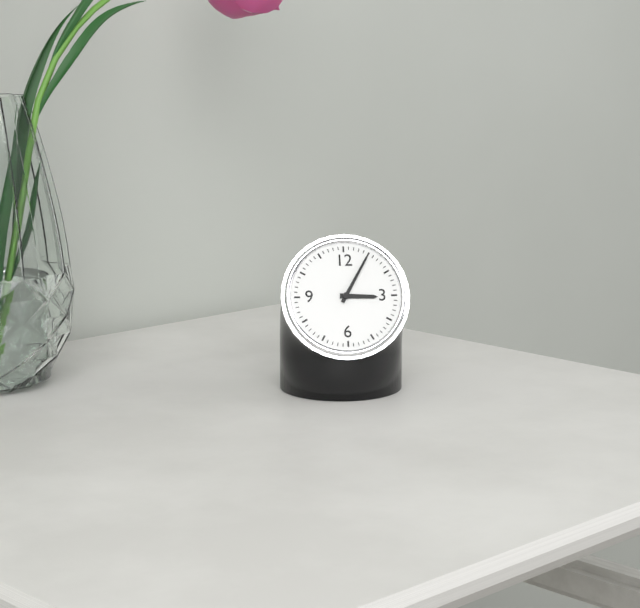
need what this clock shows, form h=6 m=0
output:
h=3 m=5
